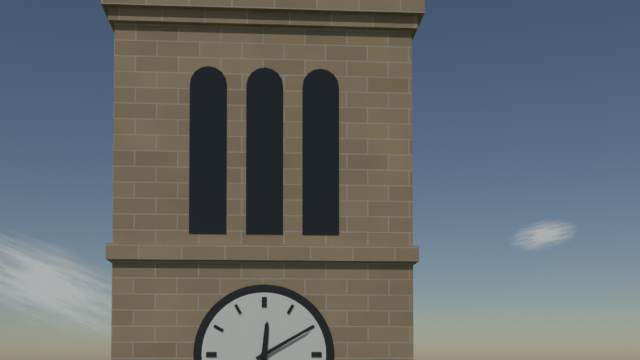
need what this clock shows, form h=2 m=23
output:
h=12 m=10
